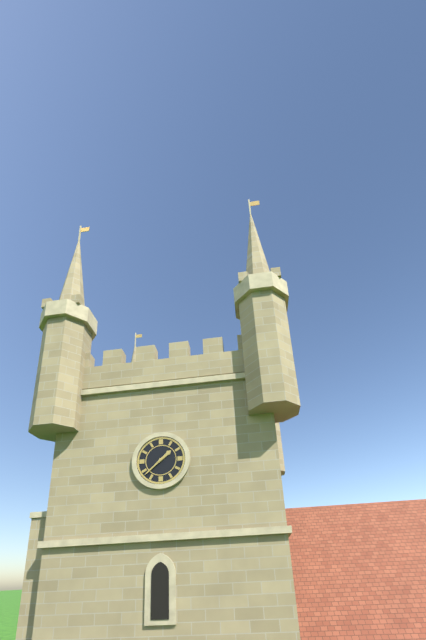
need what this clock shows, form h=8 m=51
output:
h=1 m=38
